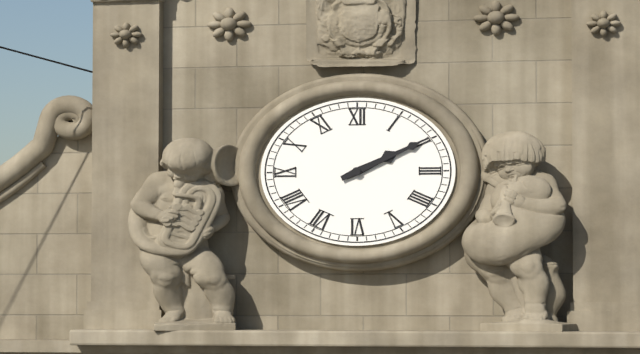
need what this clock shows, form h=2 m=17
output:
h=2 m=11
